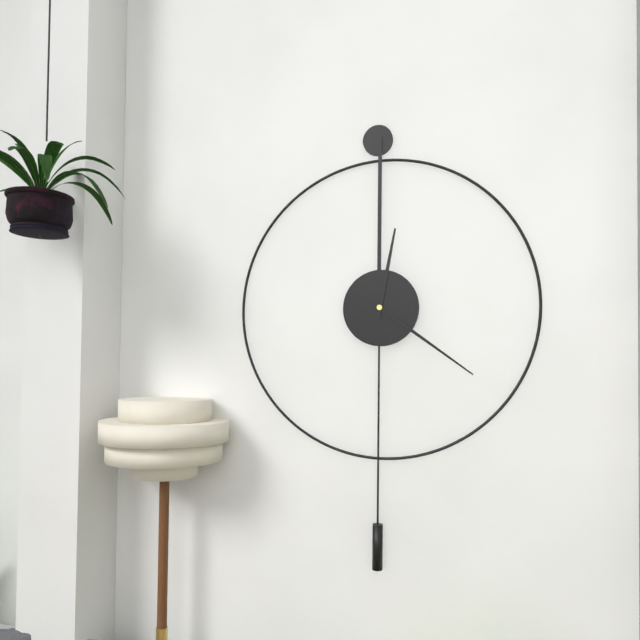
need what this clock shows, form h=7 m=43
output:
h=12 m=21
